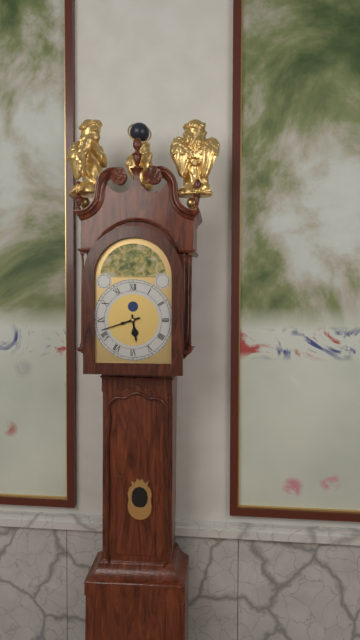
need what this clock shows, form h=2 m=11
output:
h=5 m=42
